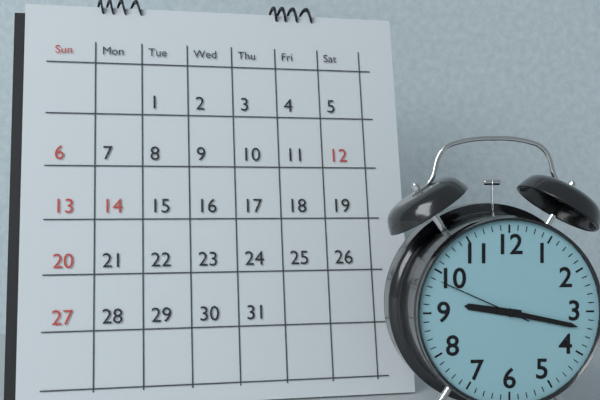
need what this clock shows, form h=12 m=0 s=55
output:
h=9 m=17 s=49
